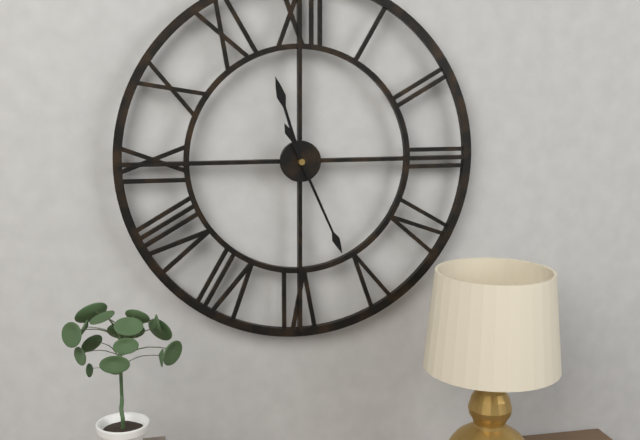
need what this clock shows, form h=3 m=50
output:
h=11 m=26
